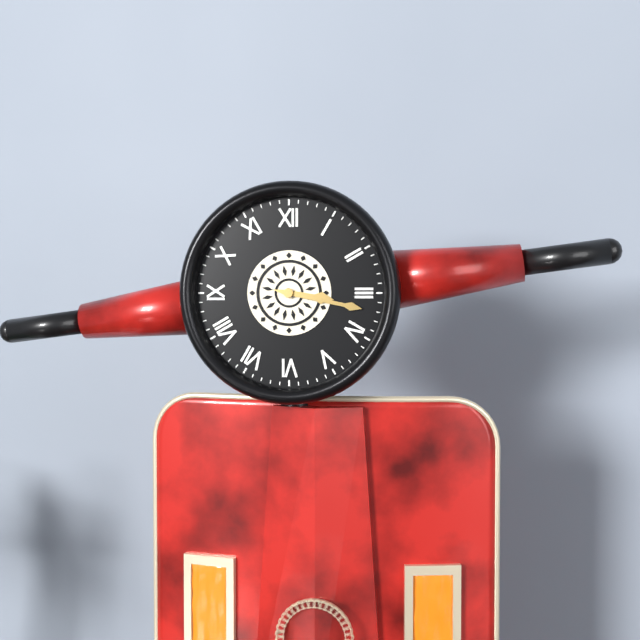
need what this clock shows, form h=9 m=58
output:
h=3 m=17
